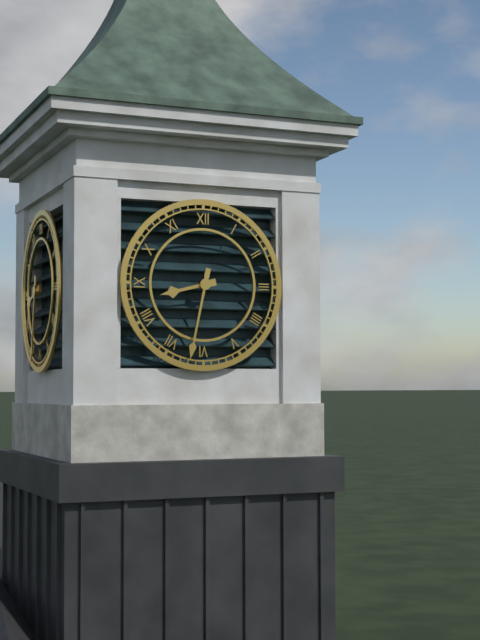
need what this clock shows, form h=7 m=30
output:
h=8 m=32
